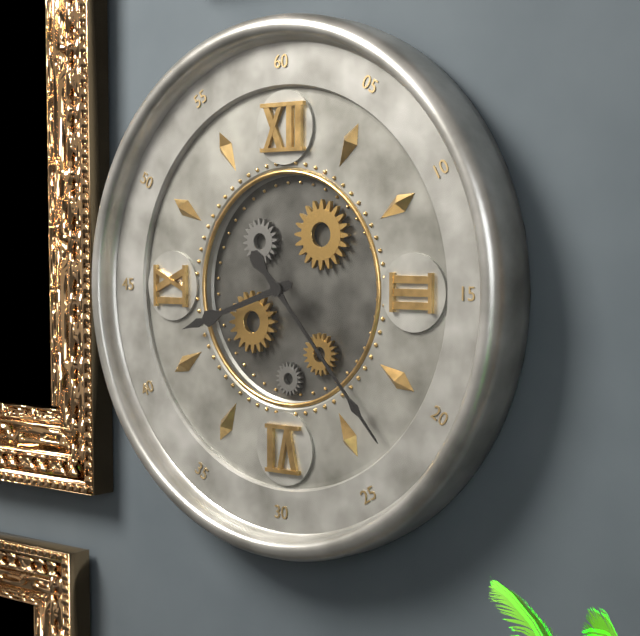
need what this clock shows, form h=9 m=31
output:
h=8 m=23
